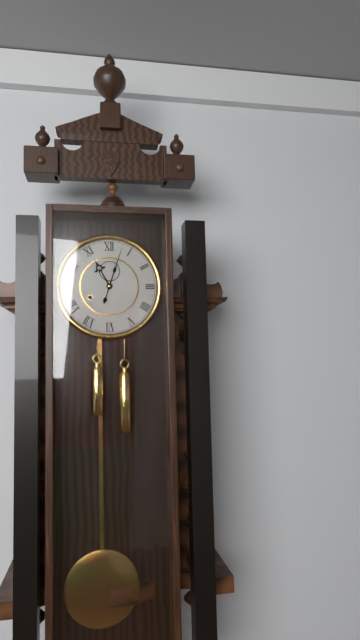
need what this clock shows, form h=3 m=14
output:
h=11 m=3
